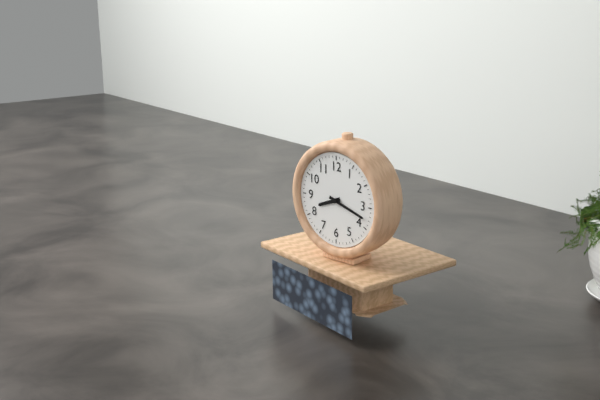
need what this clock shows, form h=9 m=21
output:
h=8 m=18
